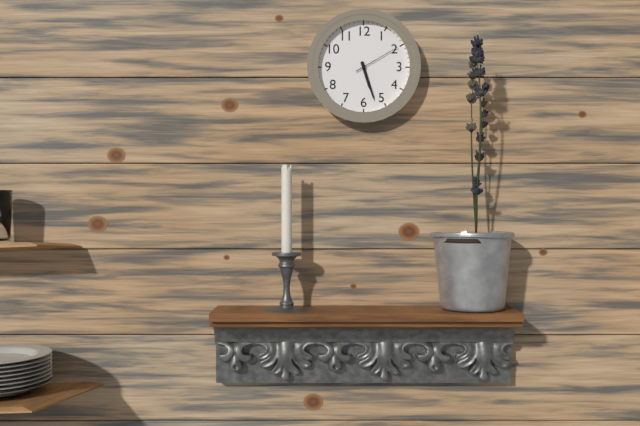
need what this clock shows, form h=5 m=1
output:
h=5 m=27
